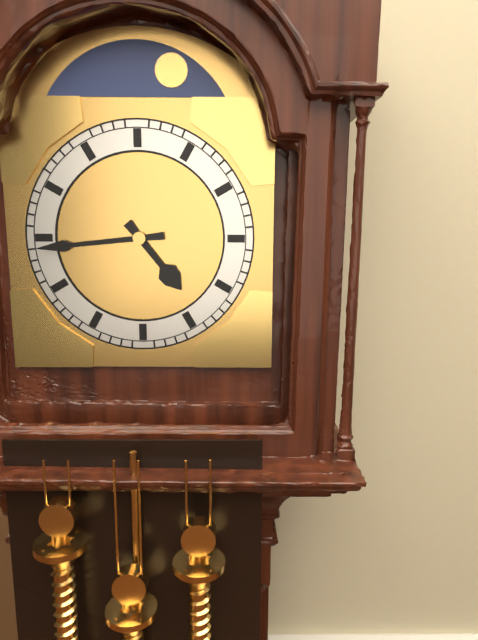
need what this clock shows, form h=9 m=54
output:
h=4 m=44
